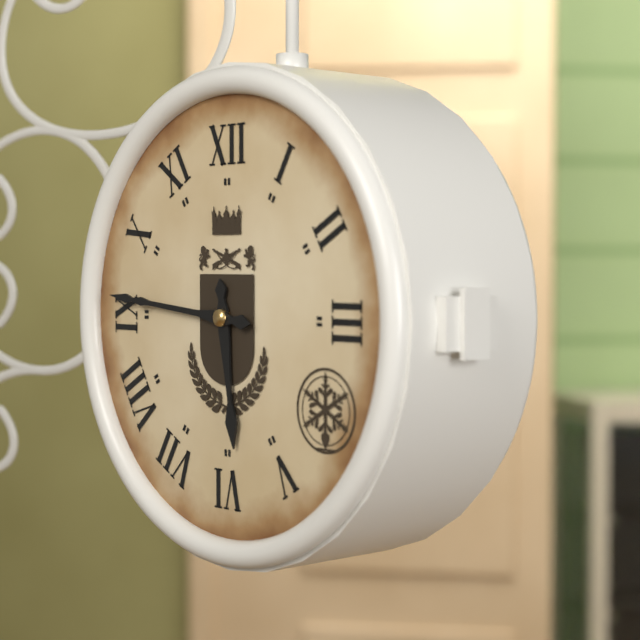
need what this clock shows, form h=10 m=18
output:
h=5 m=46
